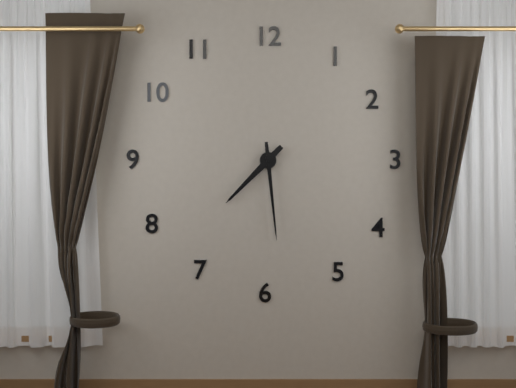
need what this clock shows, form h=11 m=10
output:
h=7 m=29
